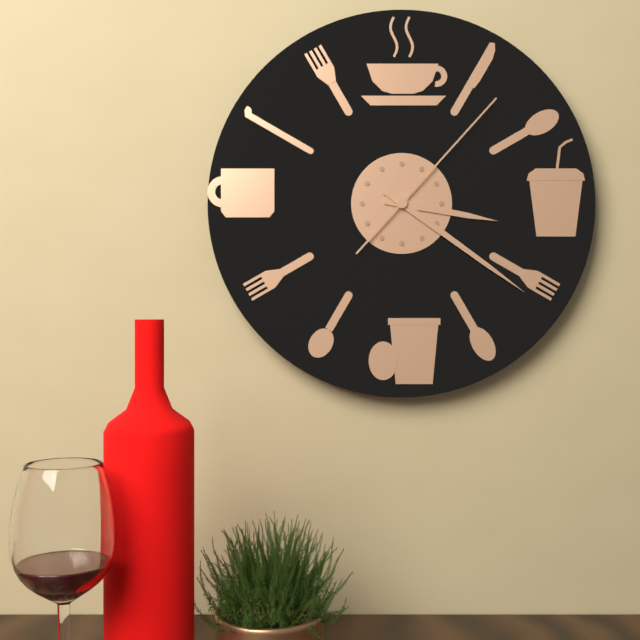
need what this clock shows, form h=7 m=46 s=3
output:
h=3 m=21 s=7
